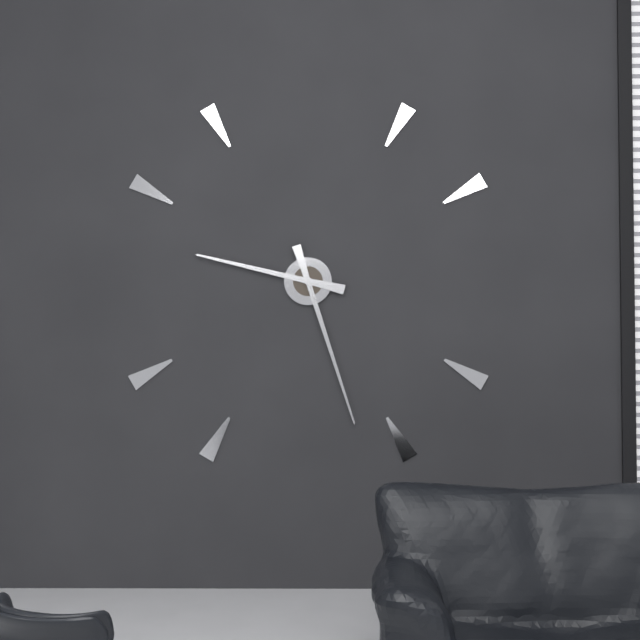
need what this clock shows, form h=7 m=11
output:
h=9 m=27
